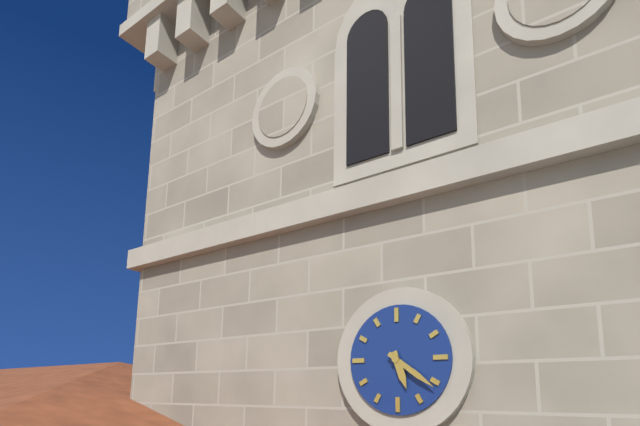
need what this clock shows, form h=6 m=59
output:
h=5 m=21
